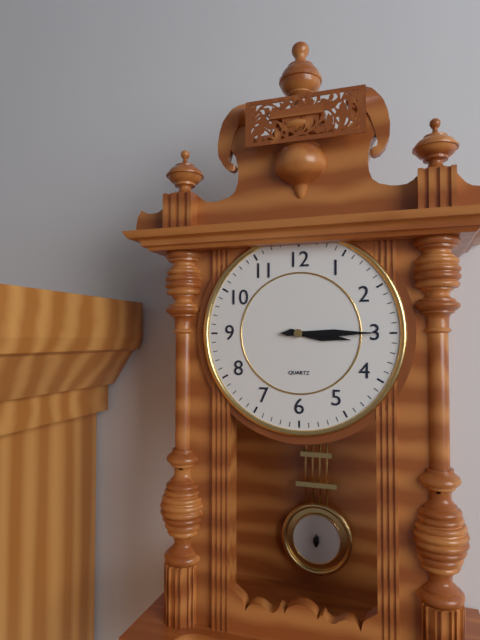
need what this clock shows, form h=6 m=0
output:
h=3 m=15
